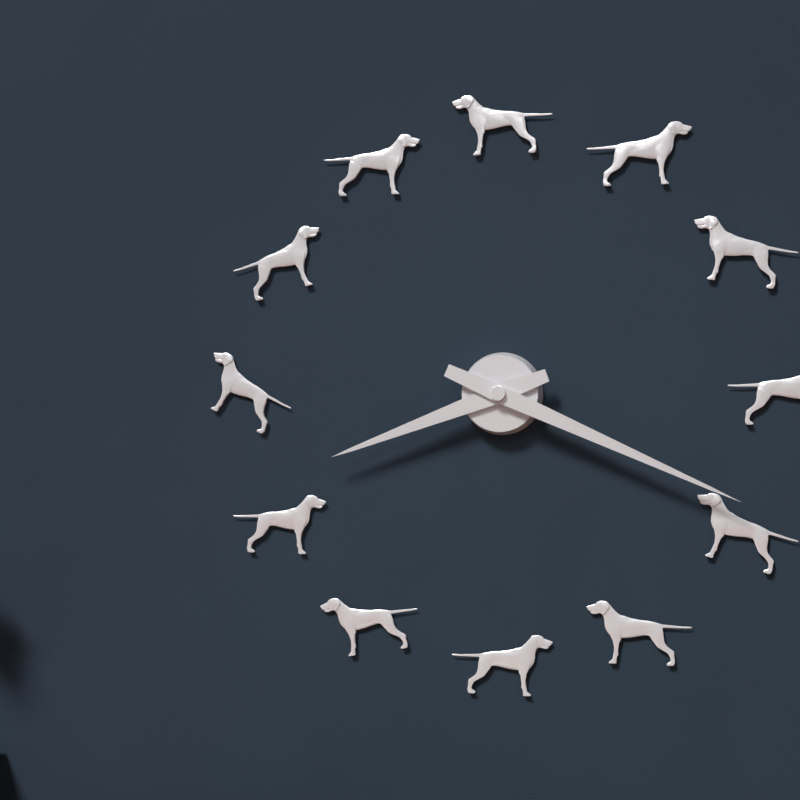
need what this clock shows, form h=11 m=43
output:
h=8 m=19
